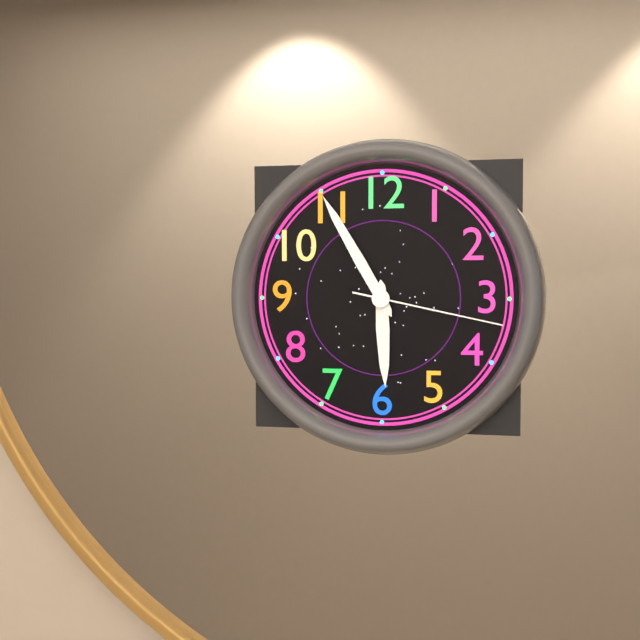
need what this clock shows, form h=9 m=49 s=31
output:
h=5 m=55 s=17
